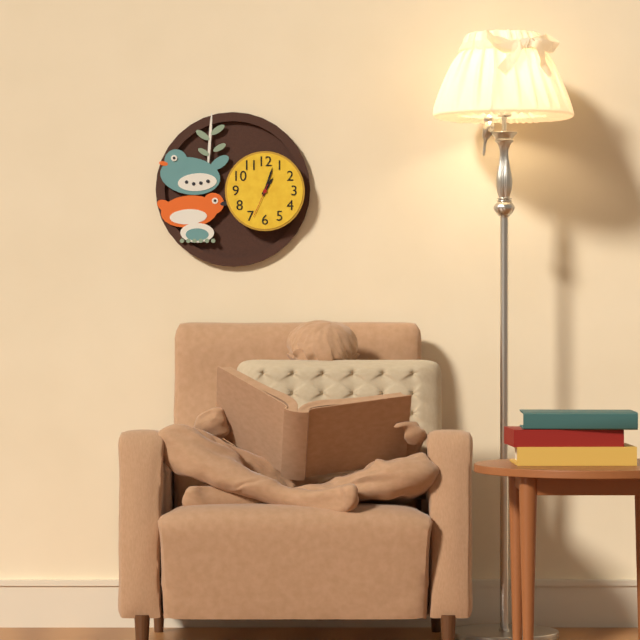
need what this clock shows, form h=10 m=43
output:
h=1 m=3
